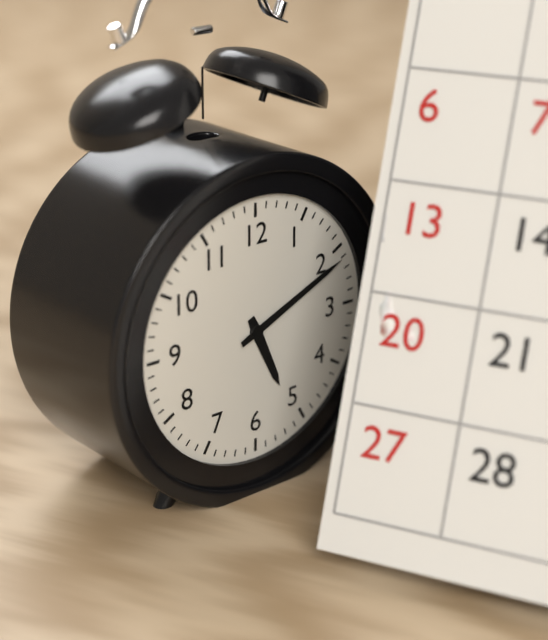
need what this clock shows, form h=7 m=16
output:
h=5 m=11
